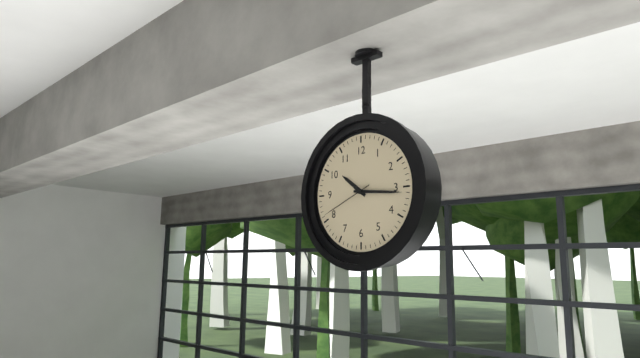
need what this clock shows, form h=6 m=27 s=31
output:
h=10 m=16 s=41
